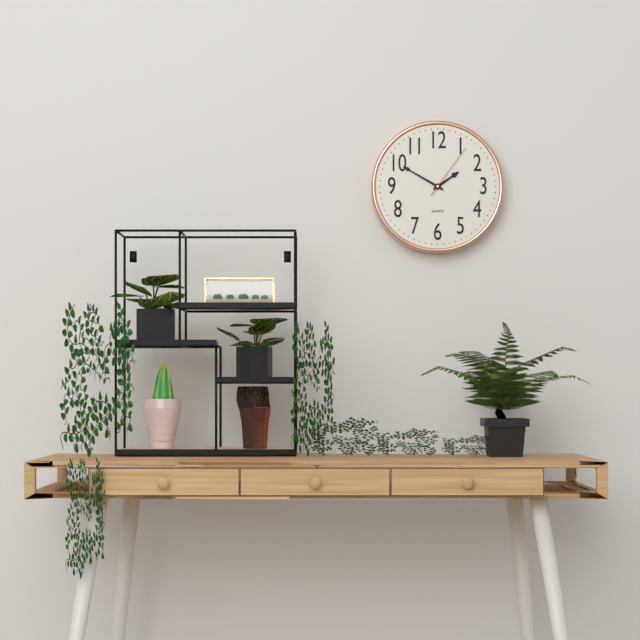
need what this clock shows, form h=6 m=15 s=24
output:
h=1 m=50 s=6
